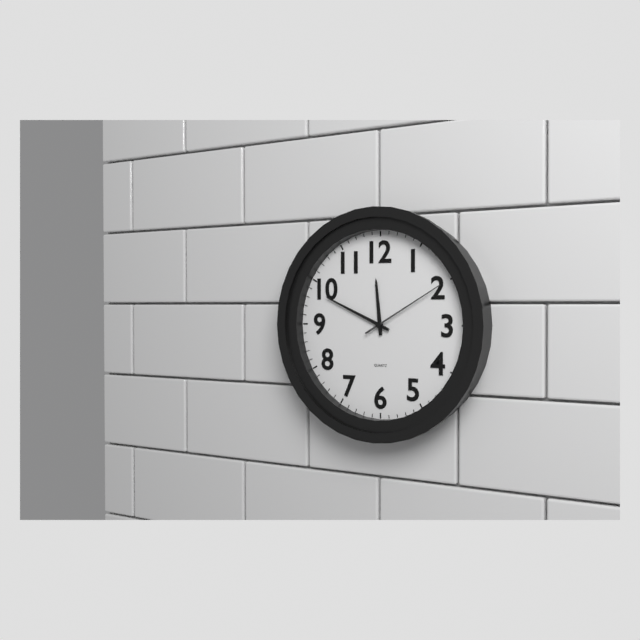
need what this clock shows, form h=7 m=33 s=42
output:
h=11 m=49 s=10
